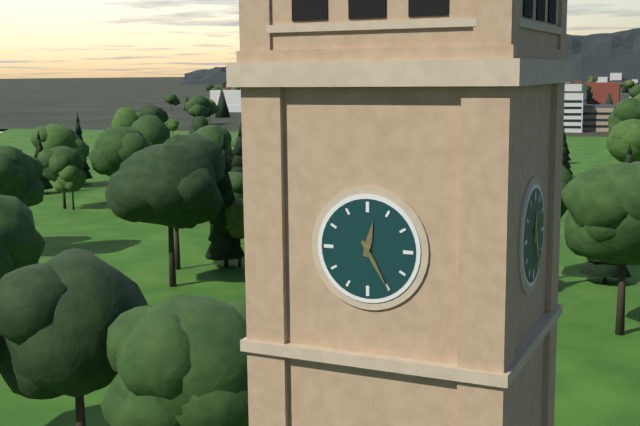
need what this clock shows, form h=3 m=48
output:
h=12 m=25
